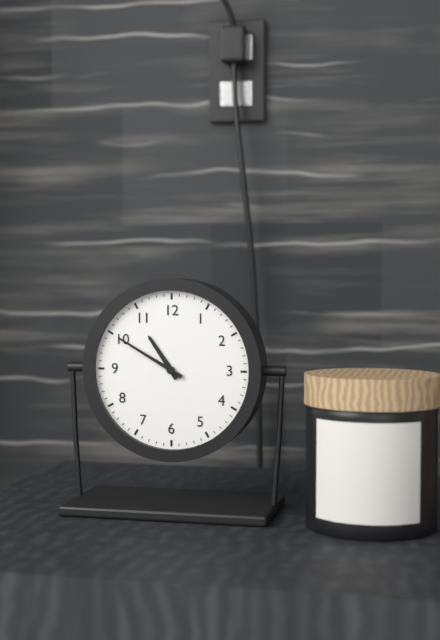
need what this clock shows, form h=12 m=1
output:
h=10 m=50
